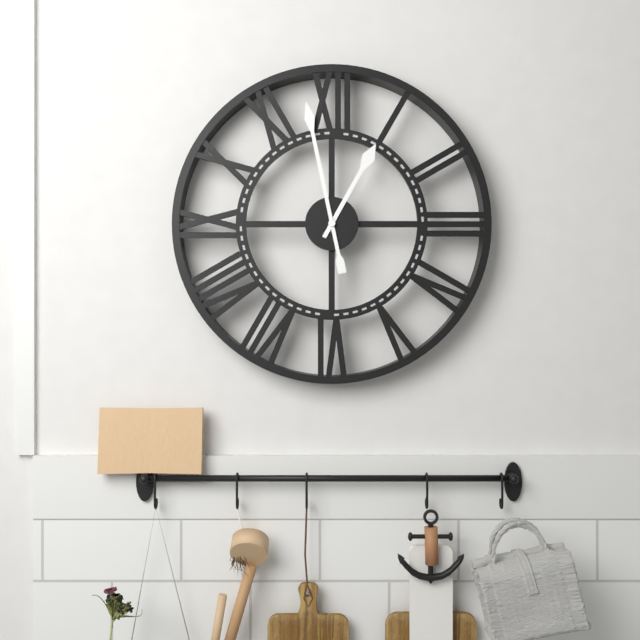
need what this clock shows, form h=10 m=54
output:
h=12 m=58
